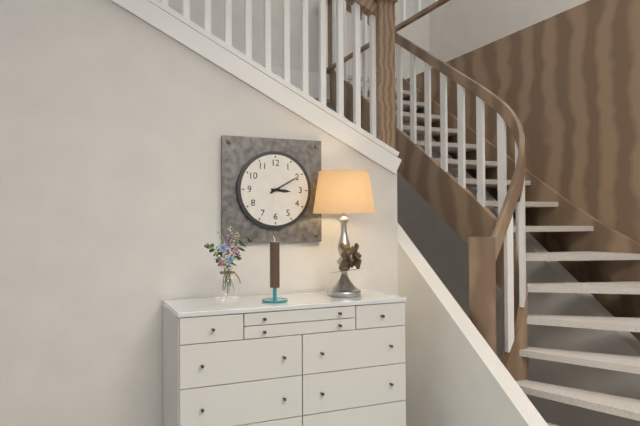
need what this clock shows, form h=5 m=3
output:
h=3 m=10
